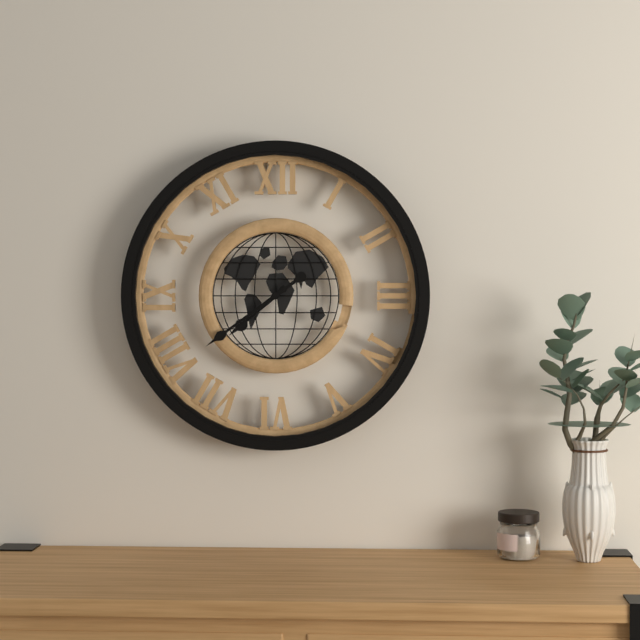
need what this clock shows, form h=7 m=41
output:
h=7 m=39
